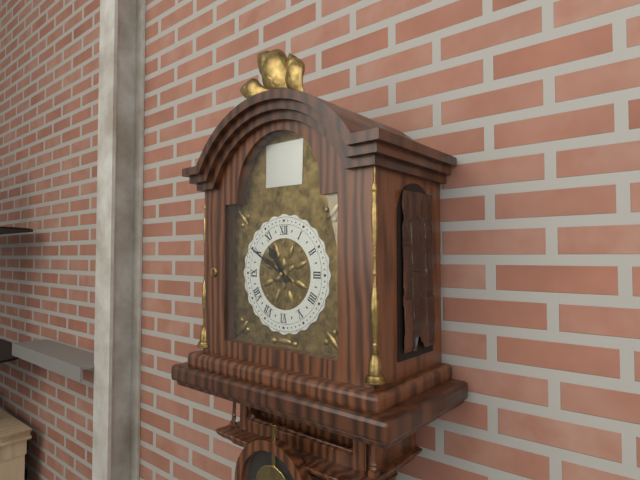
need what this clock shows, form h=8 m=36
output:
h=10 m=50
